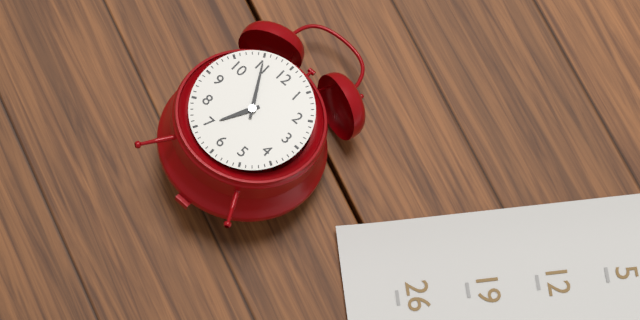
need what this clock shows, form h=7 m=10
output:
h=6 m=55
